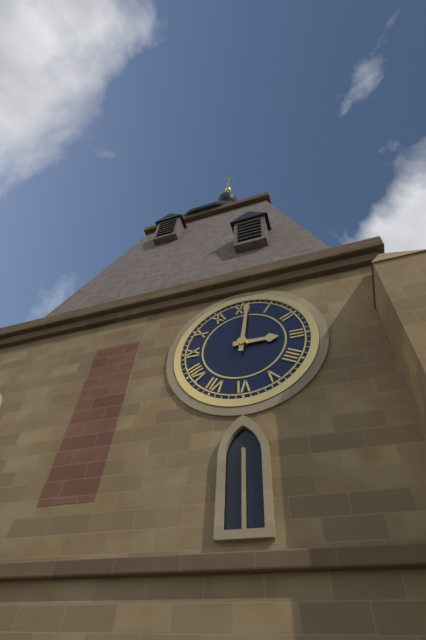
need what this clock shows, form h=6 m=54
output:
h=3 m=1
